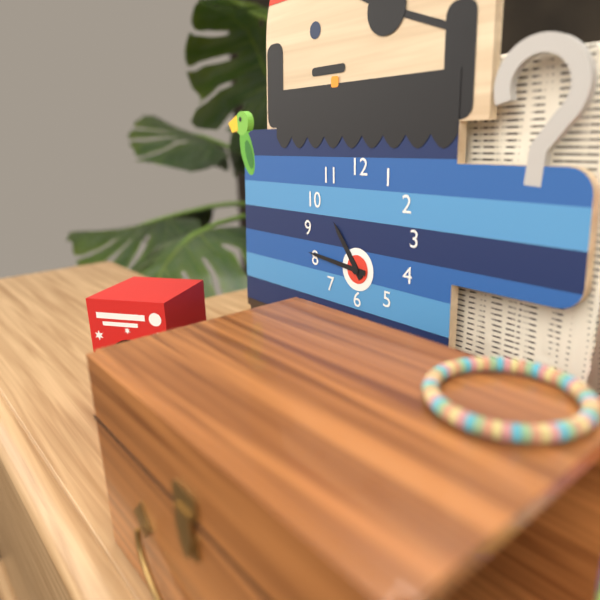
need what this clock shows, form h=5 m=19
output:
h=10 m=46
